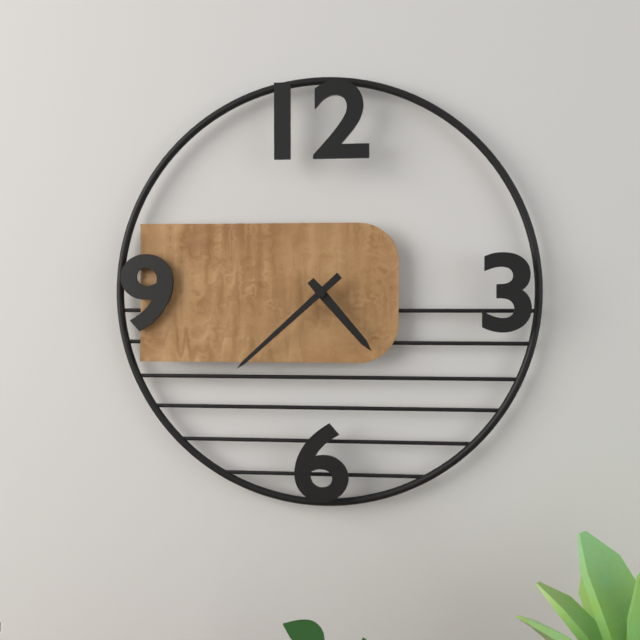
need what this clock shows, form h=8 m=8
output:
h=4 m=38
